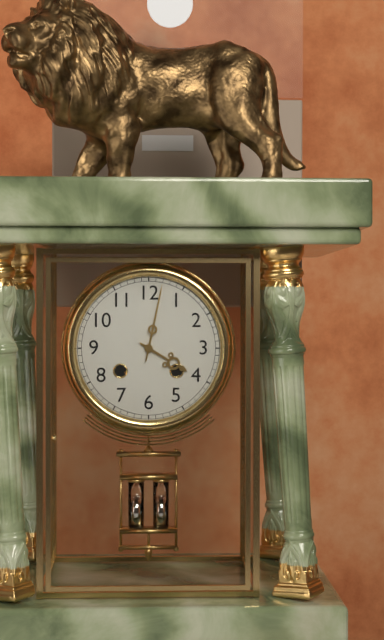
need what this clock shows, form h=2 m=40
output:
h=4 m=2
